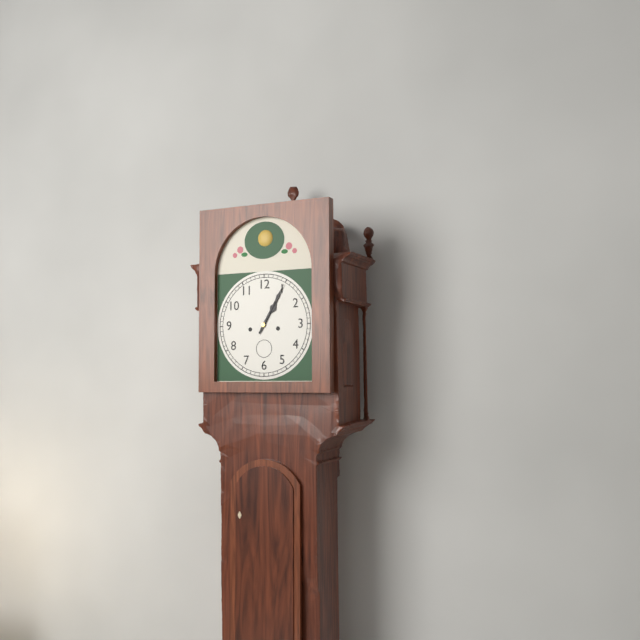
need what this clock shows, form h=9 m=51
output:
h=1 m=5
